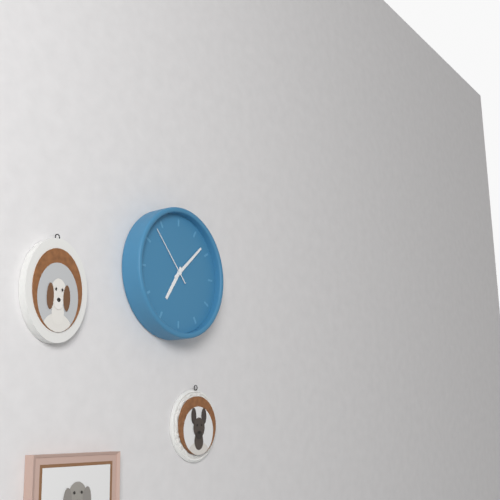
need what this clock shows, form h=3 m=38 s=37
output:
h=7 m=8 s=53
